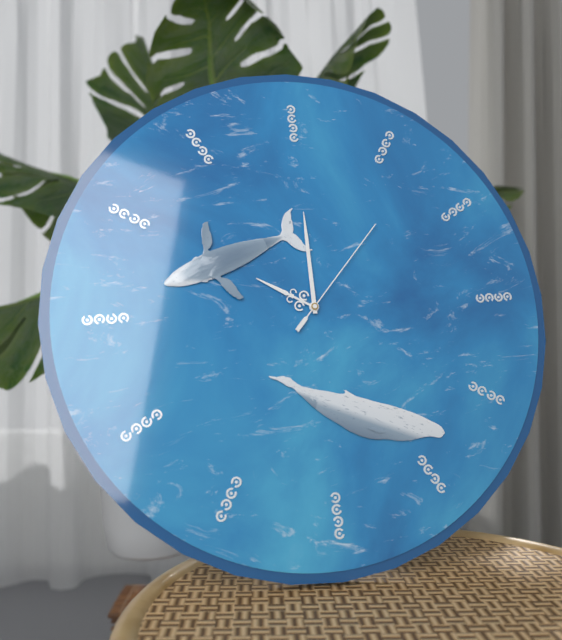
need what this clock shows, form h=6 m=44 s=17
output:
h=10 m=0 s=7
